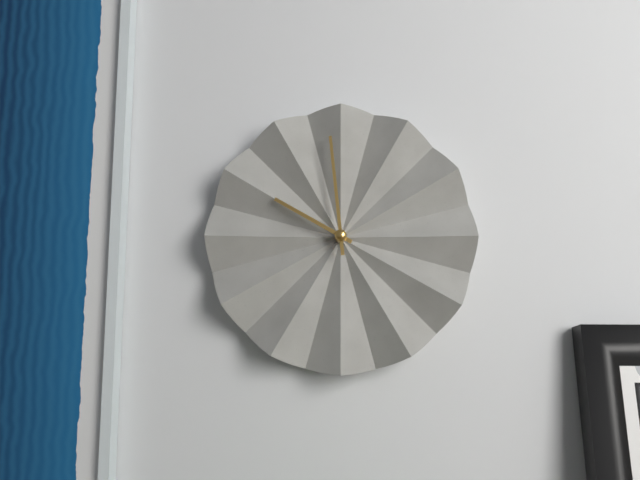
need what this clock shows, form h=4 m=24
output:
h=9 m=59
